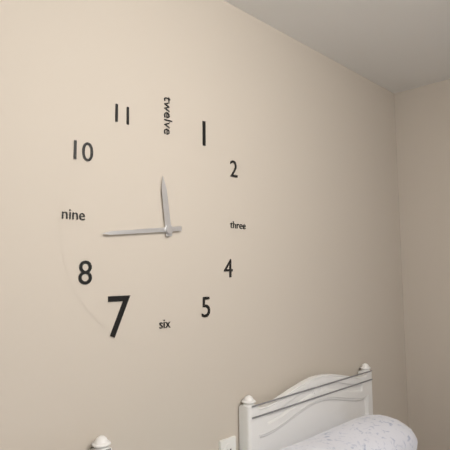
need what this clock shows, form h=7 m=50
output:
h=11 m=44
